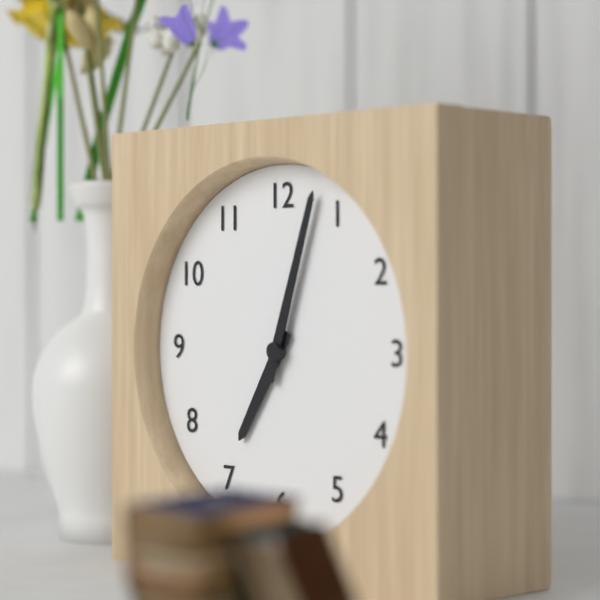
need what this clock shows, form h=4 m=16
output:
h=7 m=3
